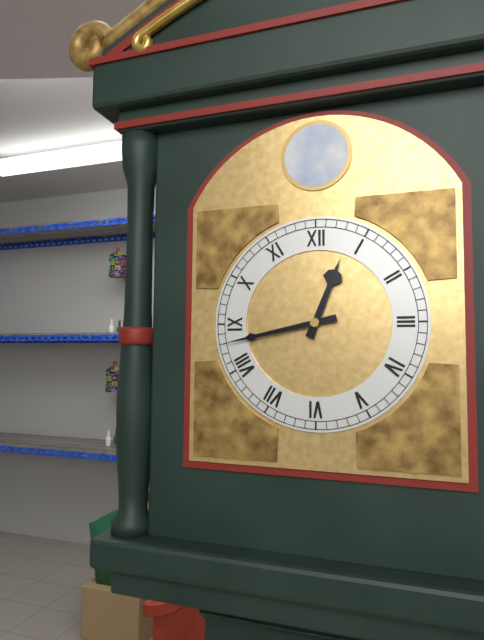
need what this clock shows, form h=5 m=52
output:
h=12 m=43
